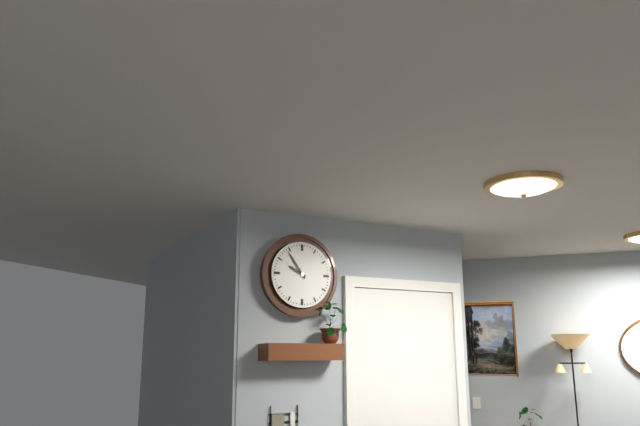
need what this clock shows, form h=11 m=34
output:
h=9 m=54
